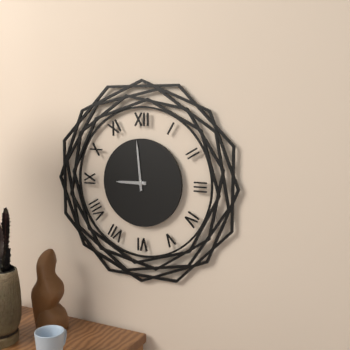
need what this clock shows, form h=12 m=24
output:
h=8 m=59
